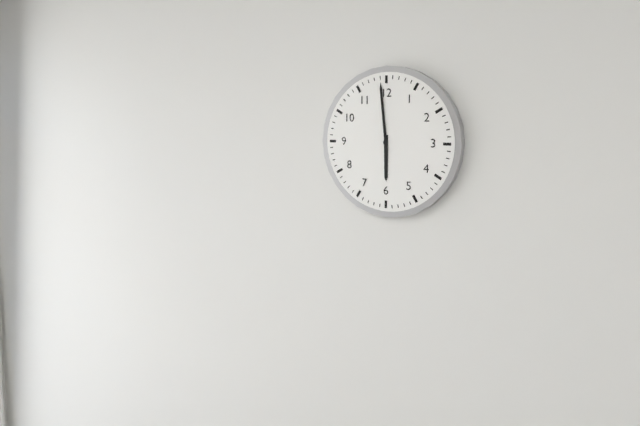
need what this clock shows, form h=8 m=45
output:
h=5 m=59
